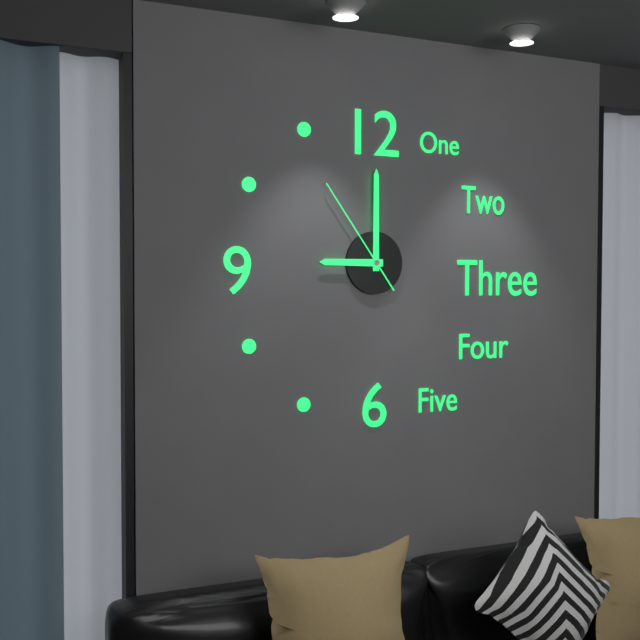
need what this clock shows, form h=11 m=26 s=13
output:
h=9 m=0 s=54
